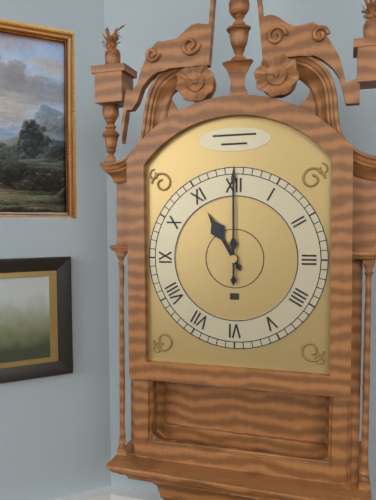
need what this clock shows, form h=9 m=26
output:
h=11 m=0
